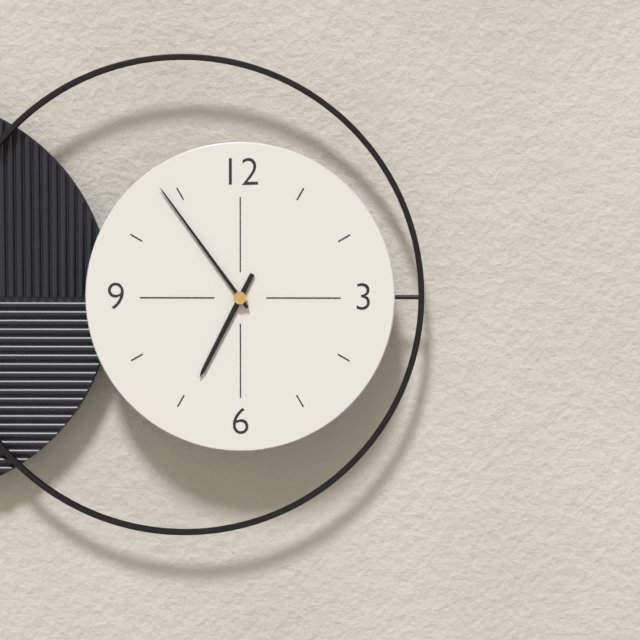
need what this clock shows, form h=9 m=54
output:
h=6 m=54
